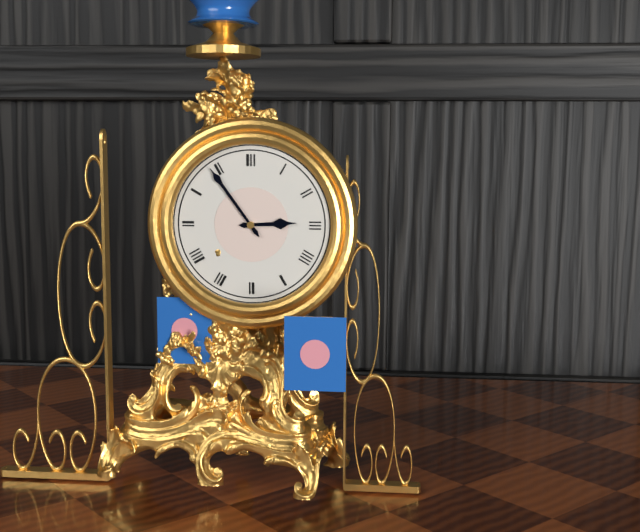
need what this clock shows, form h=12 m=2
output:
h=2 m=54
